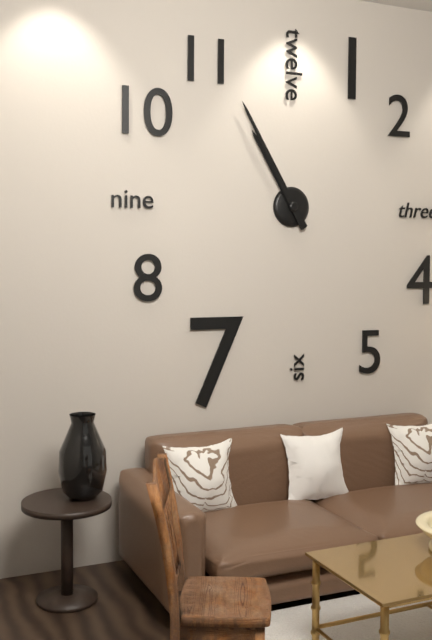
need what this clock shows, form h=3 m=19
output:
h=10 m=55
